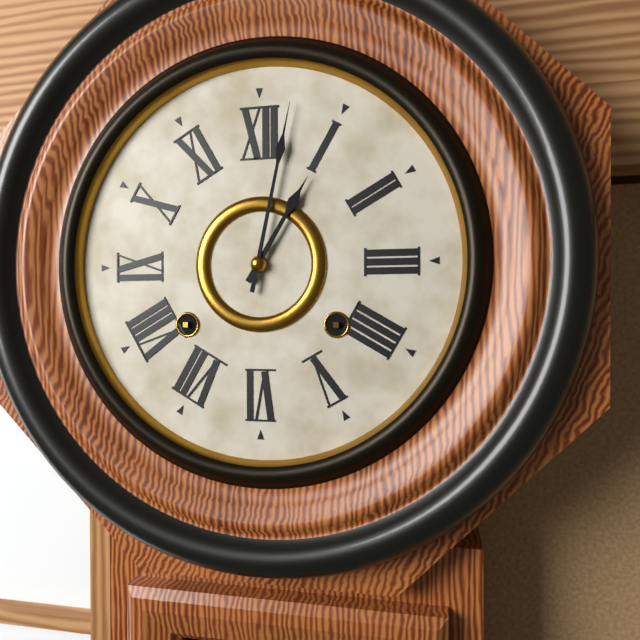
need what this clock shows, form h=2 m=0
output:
h=1 m=2
